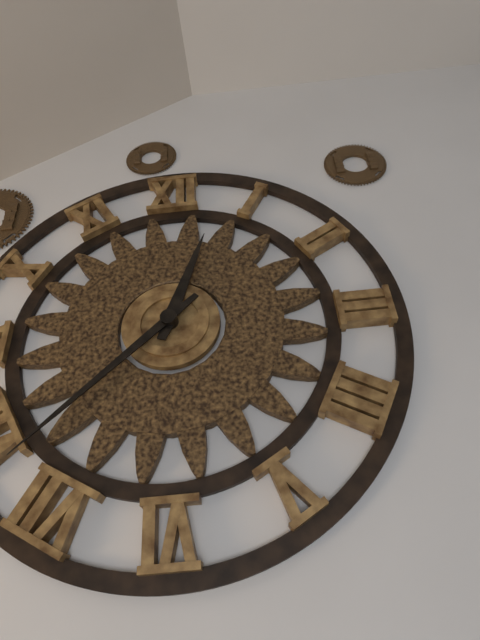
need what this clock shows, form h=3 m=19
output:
h=12 m=38
